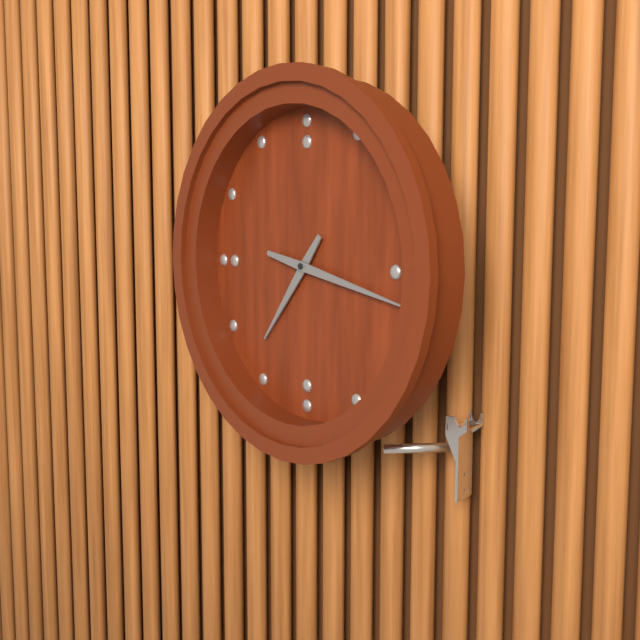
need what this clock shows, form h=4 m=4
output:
h=7 m=17
